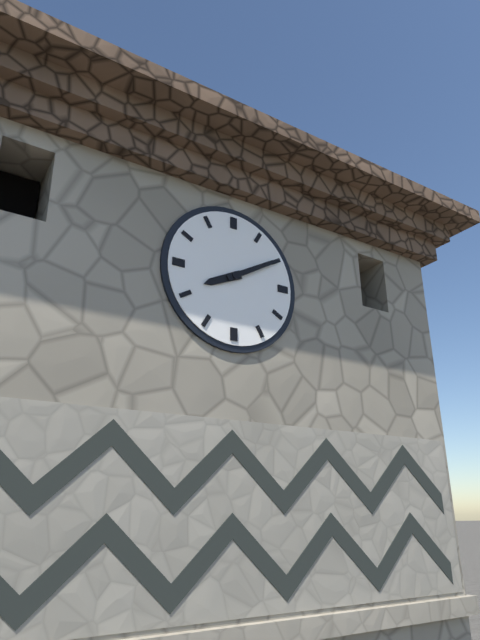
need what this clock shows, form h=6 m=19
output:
h=8 m=10
